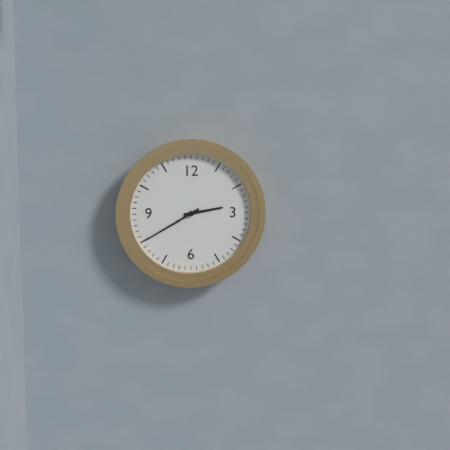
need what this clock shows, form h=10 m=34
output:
h=2 m=40
